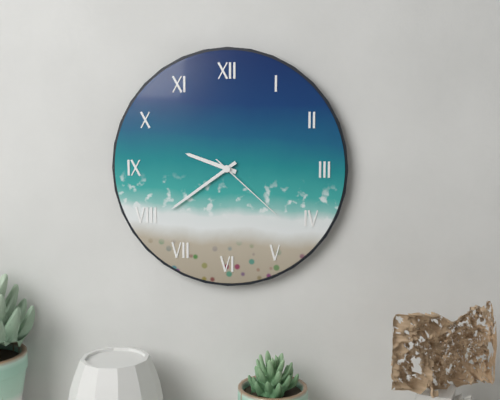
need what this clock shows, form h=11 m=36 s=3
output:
h=9 m=39 s=22
